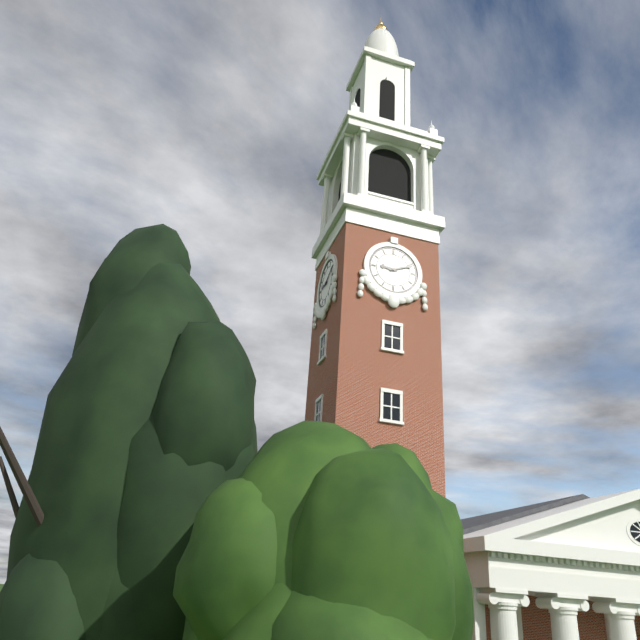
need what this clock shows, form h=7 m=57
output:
h=9 m=11
